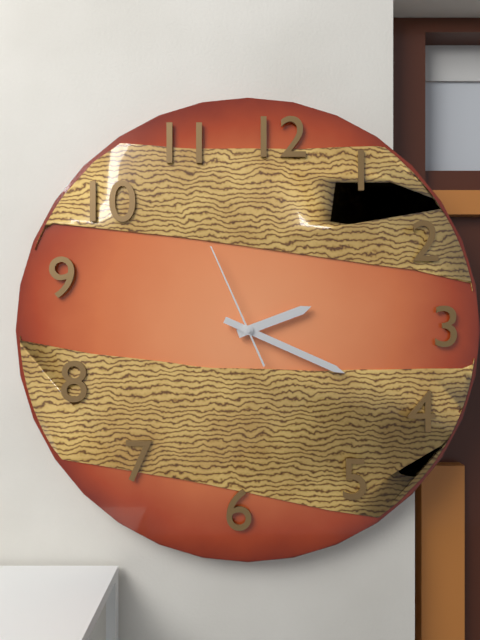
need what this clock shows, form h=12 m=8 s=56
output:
h=2 m=19 s=56
